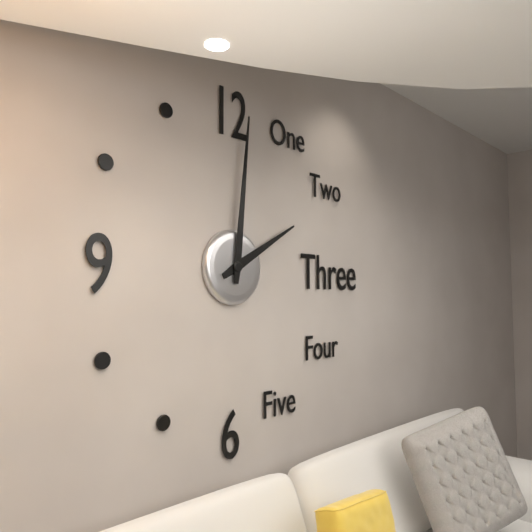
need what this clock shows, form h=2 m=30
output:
h=2 m=1
